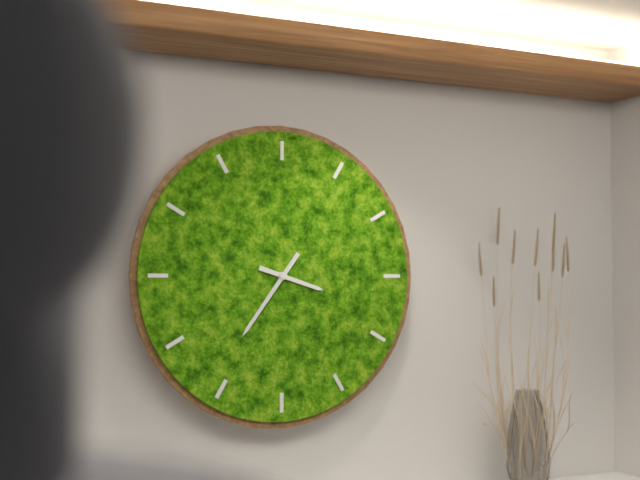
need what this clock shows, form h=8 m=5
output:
h=3 m=36
